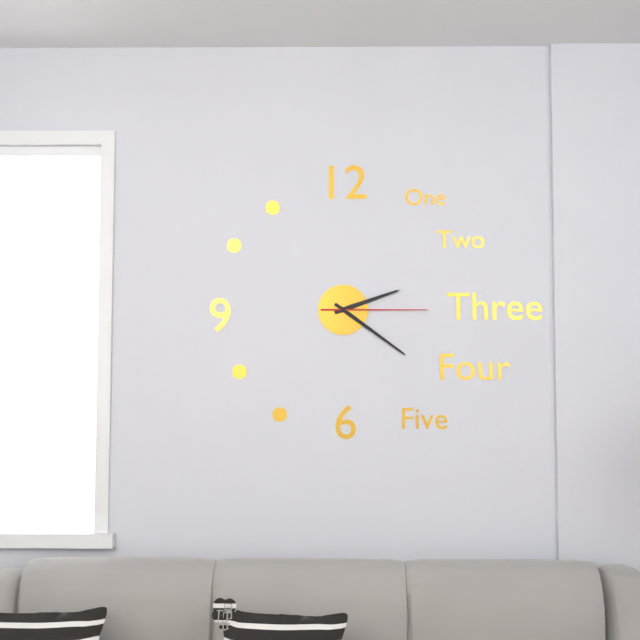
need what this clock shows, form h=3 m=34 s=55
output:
h=2 m=21 s=15
